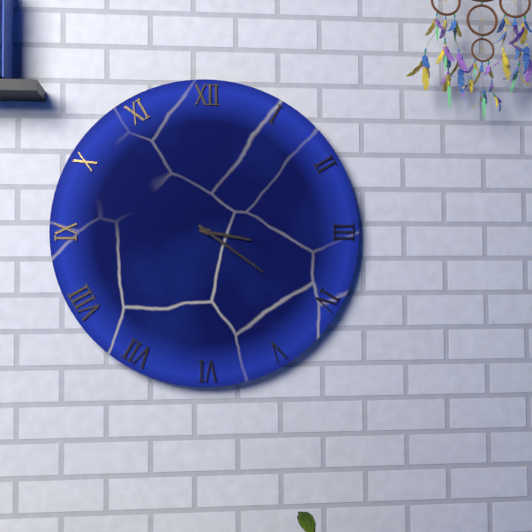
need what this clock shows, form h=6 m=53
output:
h=3 m=21
